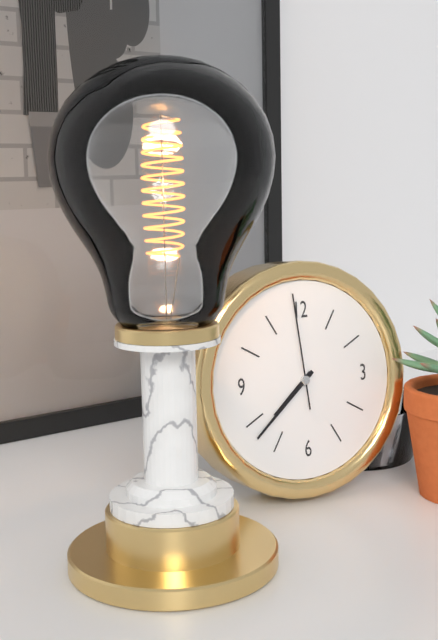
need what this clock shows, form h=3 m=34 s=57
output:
h=7 m=38 s=59
